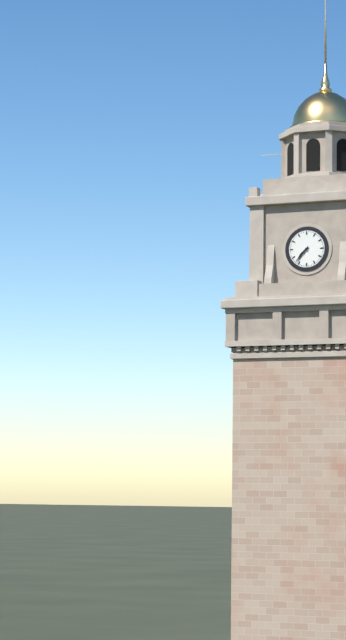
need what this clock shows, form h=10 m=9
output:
h=7 m=37
